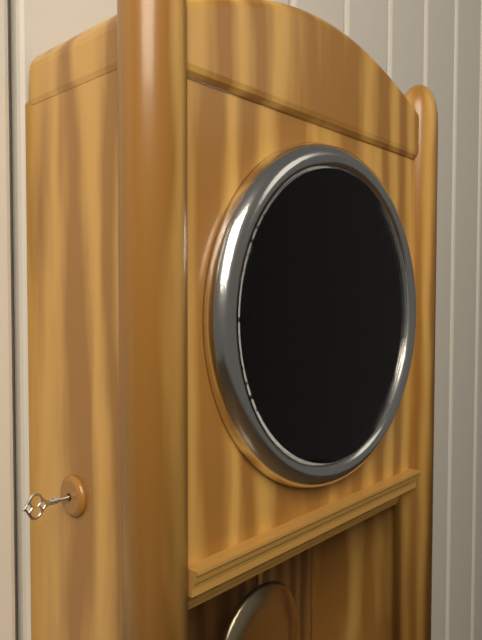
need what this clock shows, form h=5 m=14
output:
h=4 m=11
